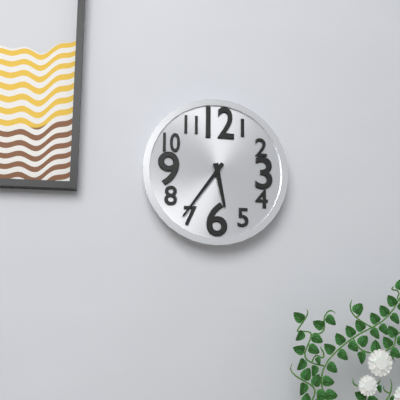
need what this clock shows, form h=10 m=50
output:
h=5 m=36
